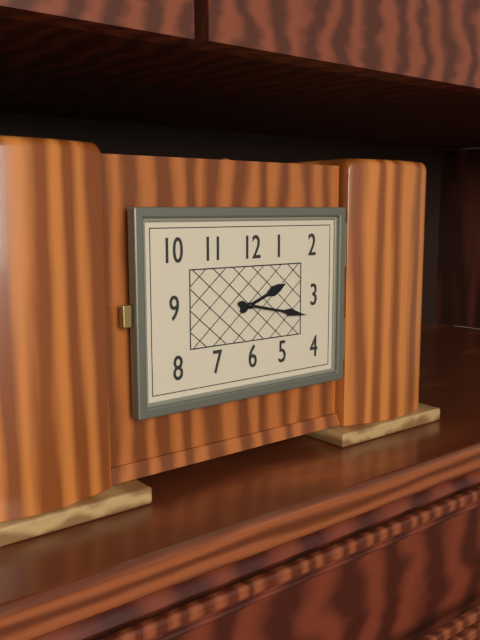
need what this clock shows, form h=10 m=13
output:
h=2 m=17
